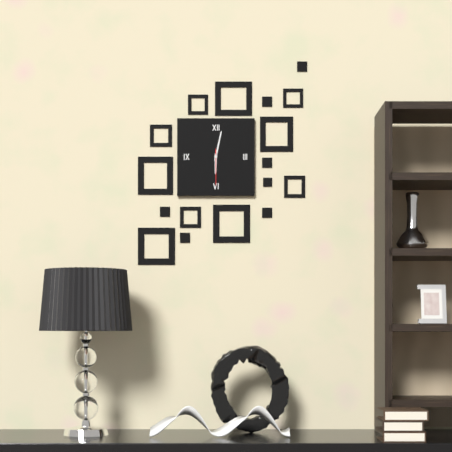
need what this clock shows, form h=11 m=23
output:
h=6 m=2
